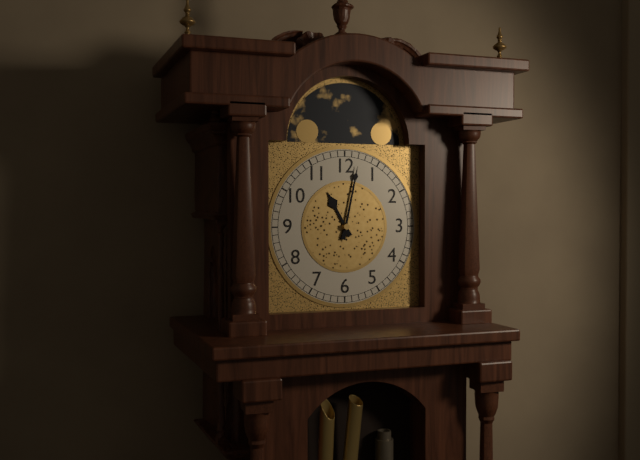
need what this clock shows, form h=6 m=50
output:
h=11 m=2
